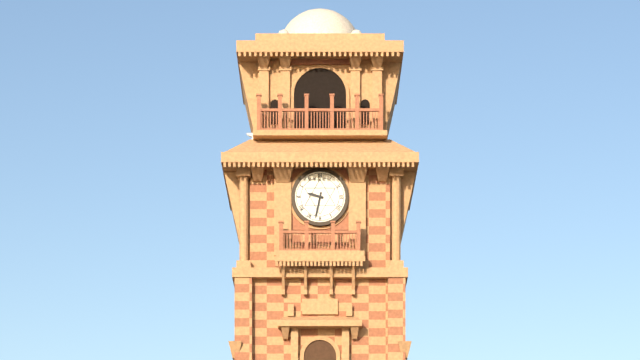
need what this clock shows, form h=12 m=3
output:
h=9 m=32
